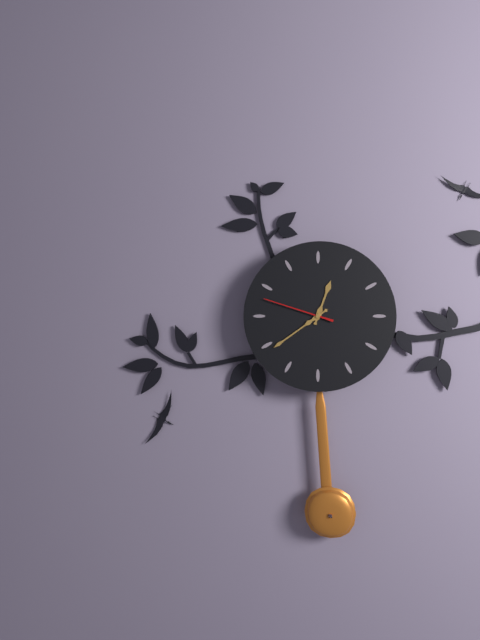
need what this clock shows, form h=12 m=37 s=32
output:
h=12 m=39 s=48
